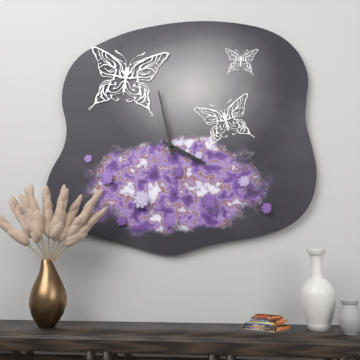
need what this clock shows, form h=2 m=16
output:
h=3 m=58
